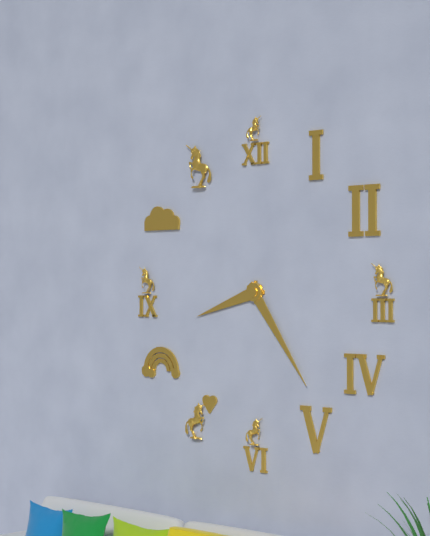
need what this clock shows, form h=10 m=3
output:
h=8 m=24
